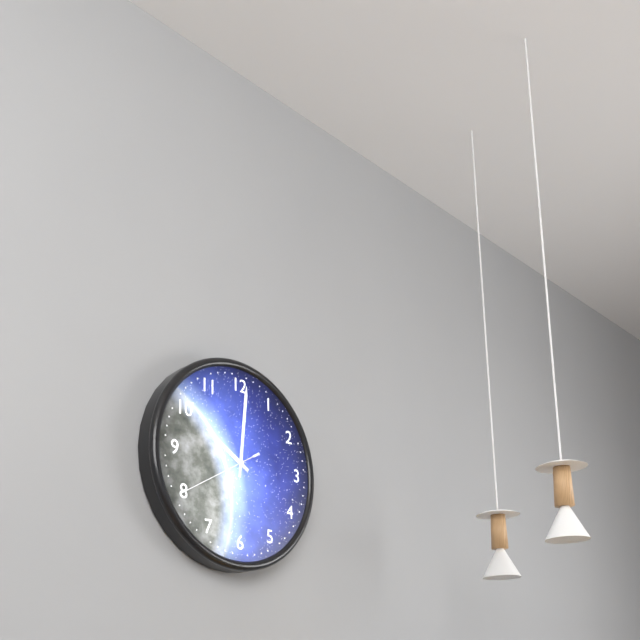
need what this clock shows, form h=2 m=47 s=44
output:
h=10 m=1 s=40
